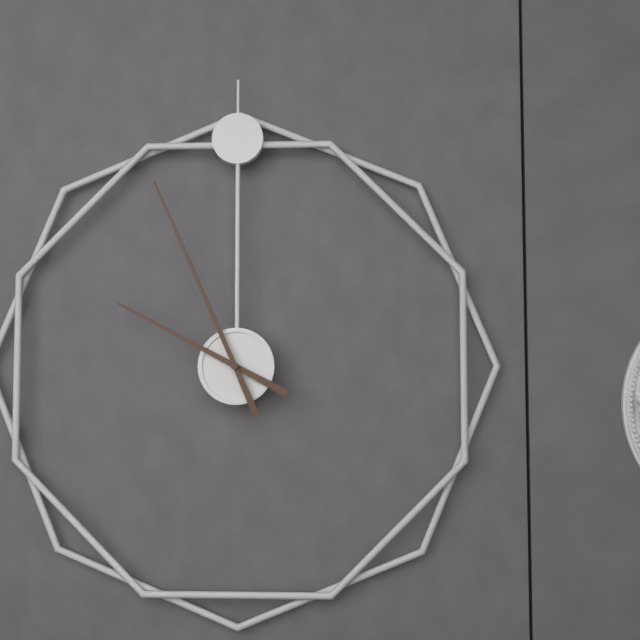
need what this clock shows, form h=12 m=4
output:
h=9 m=56
